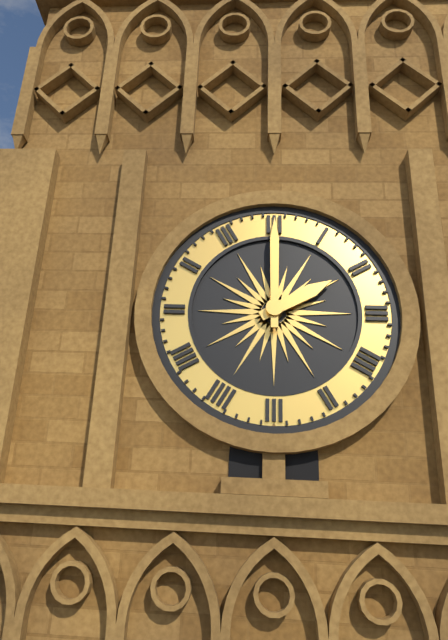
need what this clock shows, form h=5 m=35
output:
h=2 m=0
